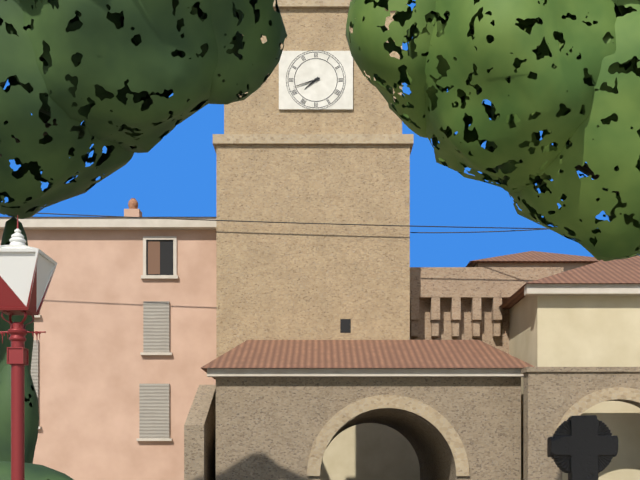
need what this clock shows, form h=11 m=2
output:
h=7 m=42
